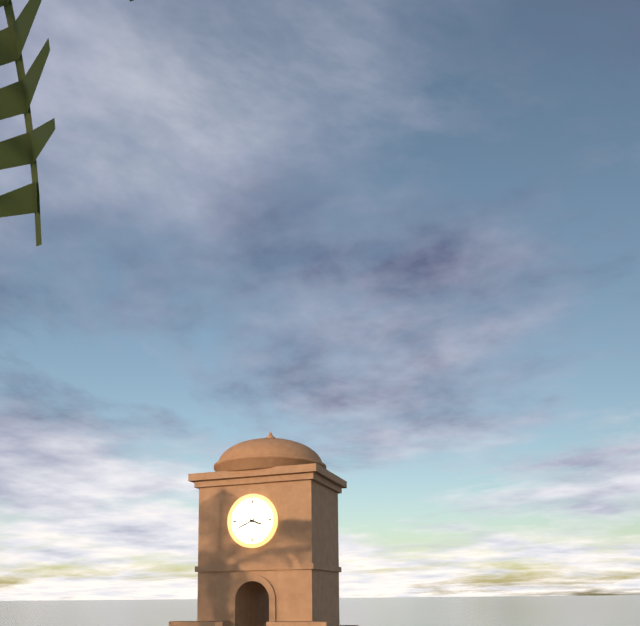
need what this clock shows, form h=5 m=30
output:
h=3 m=41
